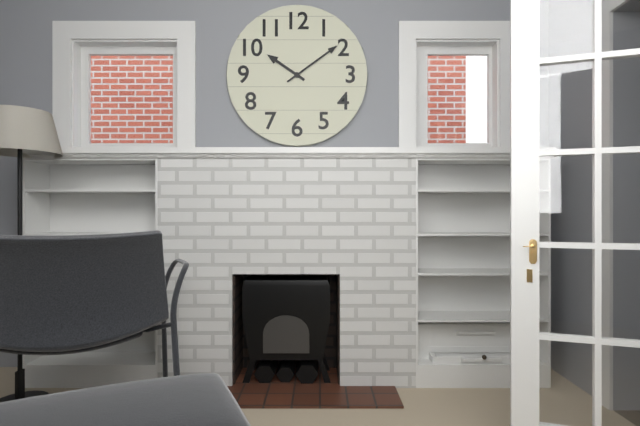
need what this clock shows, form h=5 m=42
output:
h=10 m=9
